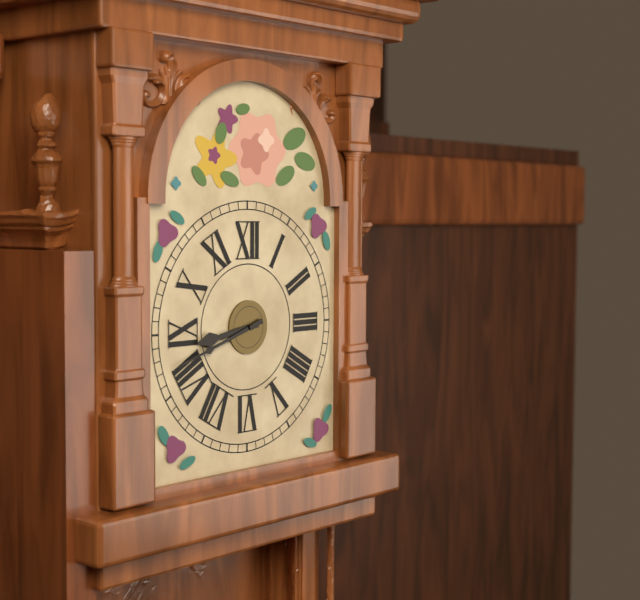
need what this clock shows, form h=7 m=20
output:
h=8 m=42
